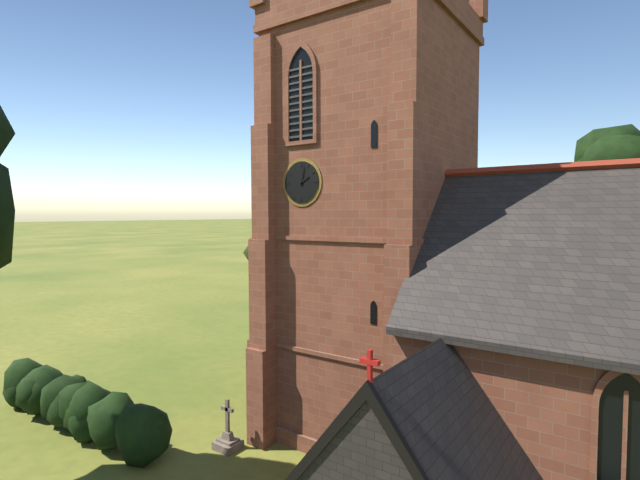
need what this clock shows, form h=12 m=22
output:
h=2 m=2
